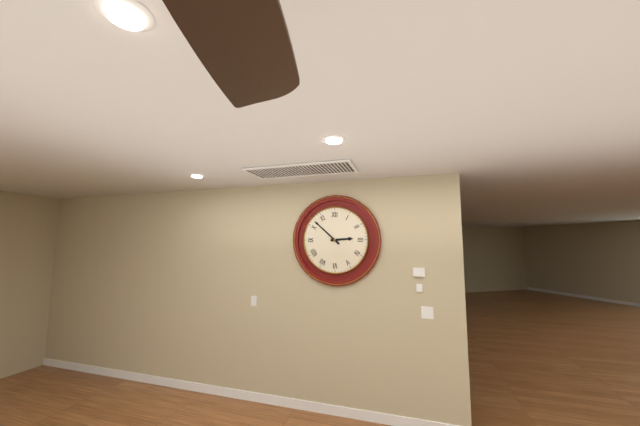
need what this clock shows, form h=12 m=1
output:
h=2 m=52
